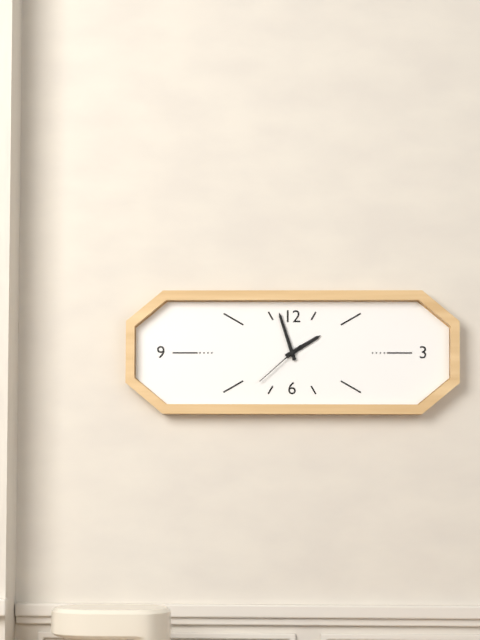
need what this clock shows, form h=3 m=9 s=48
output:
h=1 m=57 s=38
